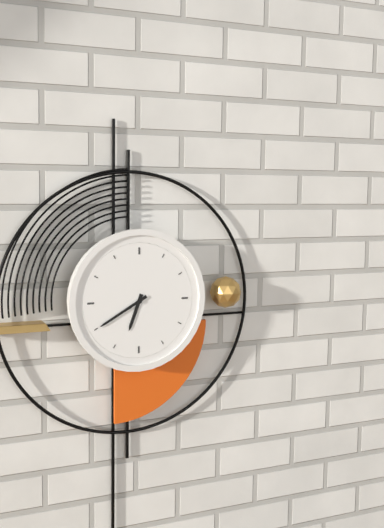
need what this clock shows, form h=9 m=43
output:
h=6 m=40
